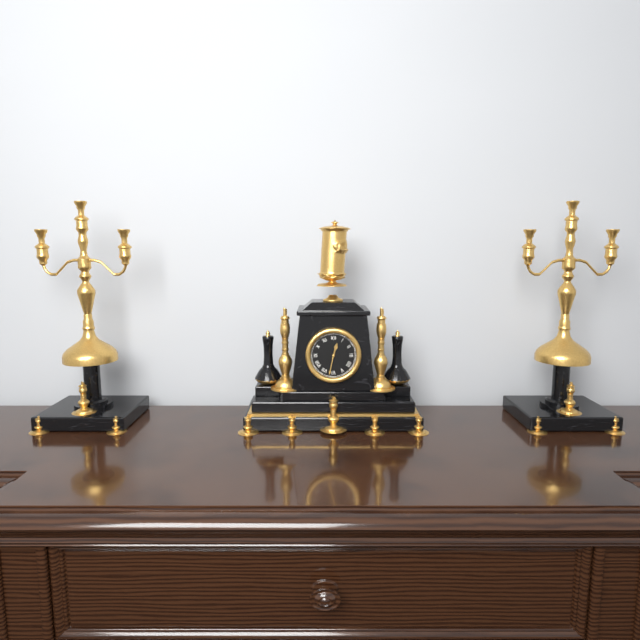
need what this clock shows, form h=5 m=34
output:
h=12 m=32
